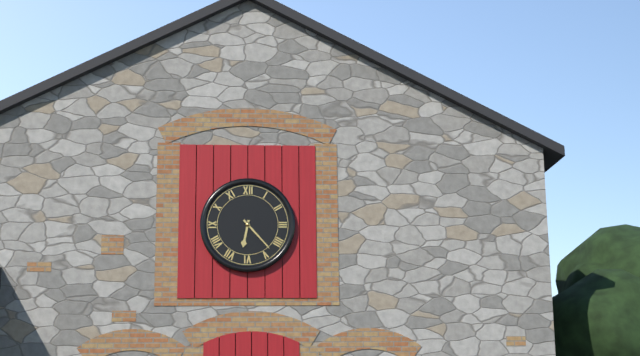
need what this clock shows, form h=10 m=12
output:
h=6 m=23
